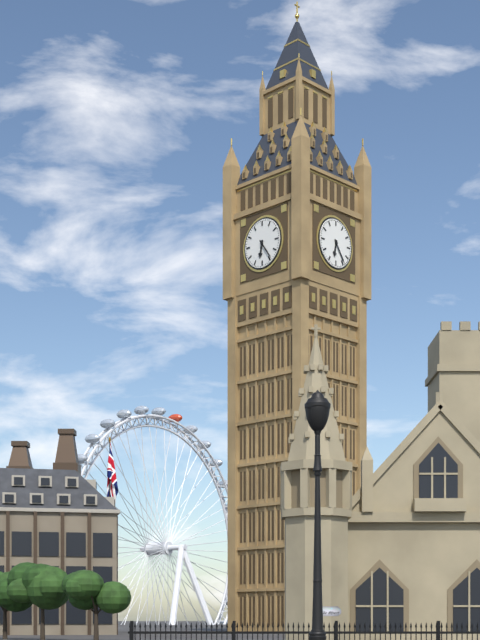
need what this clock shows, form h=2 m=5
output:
h=6 m=24
